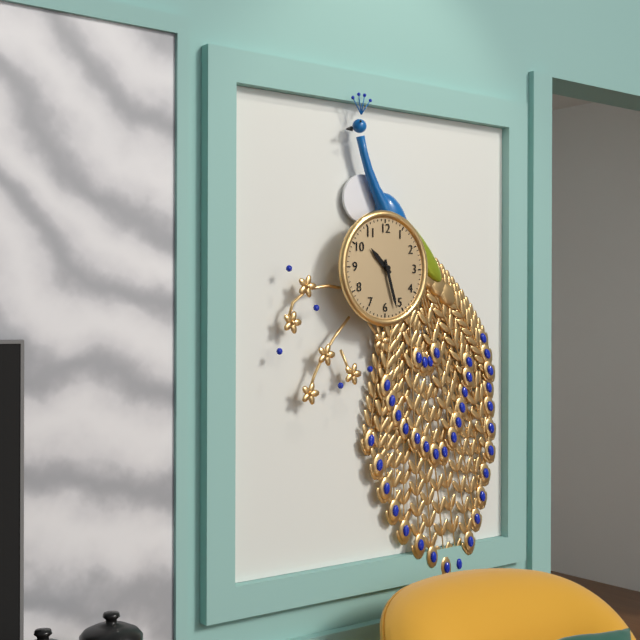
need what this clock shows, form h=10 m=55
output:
h=10 m=27
